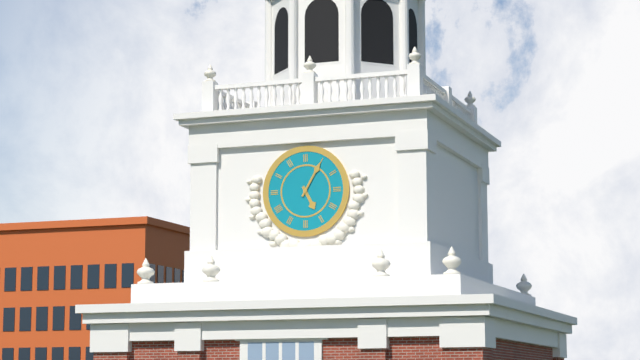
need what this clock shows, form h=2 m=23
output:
h=5 m=5
